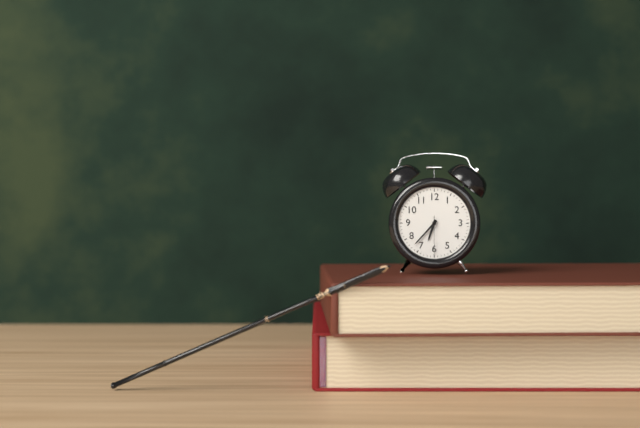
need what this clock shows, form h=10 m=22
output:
h=6 m=37
